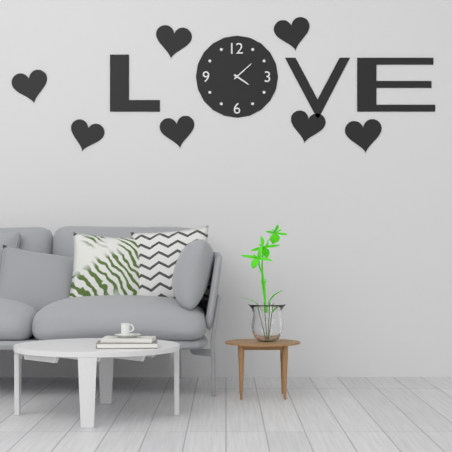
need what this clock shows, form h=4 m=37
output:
h=4 m=8
